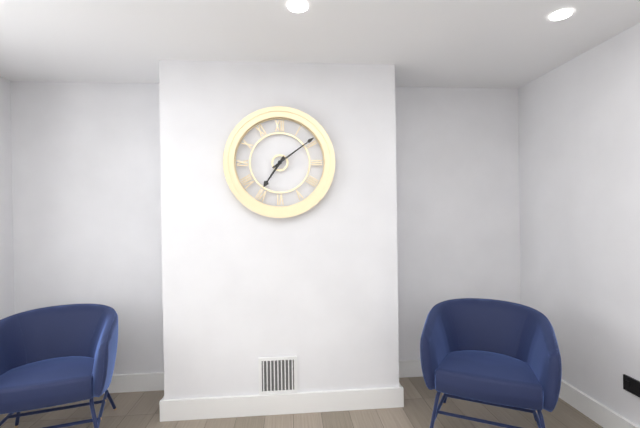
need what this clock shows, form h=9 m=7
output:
h=7 m=9
